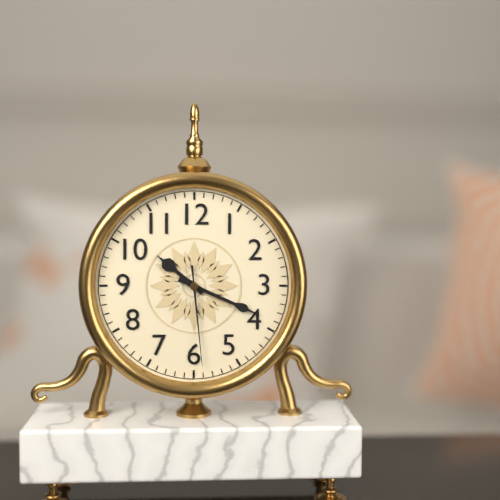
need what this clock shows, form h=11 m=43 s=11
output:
h=10 m=19 s=29
